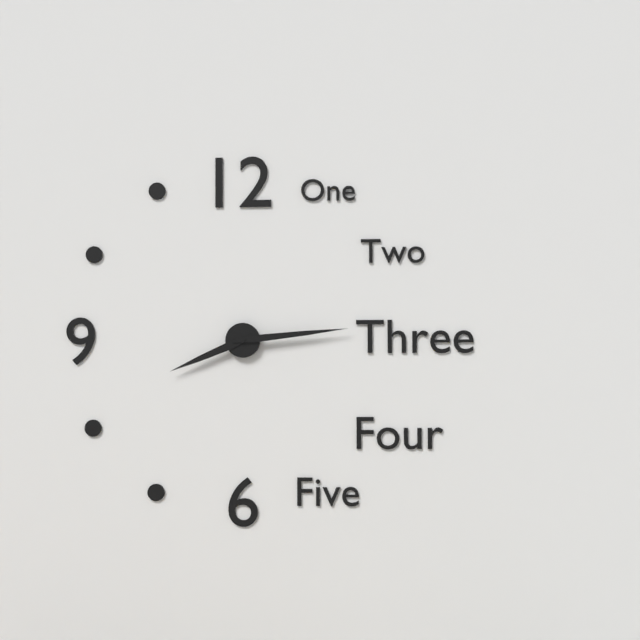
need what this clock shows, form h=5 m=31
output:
h=8 m=14
